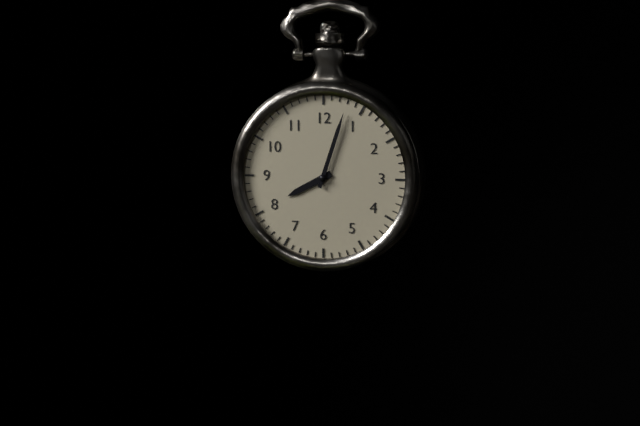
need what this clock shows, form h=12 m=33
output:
h=8 m=3
